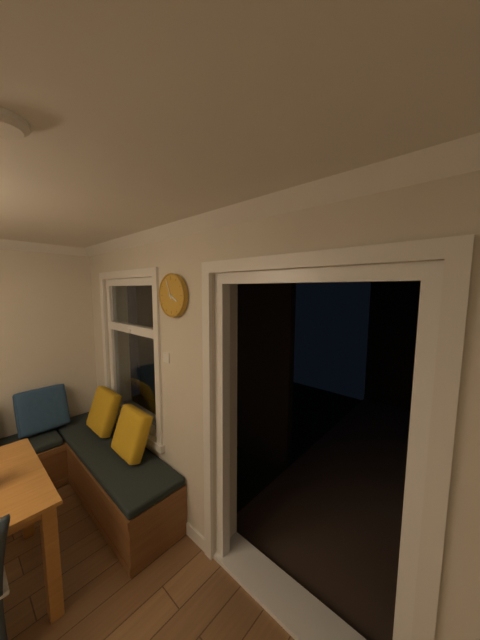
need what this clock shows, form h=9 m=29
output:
h=3 m=56
